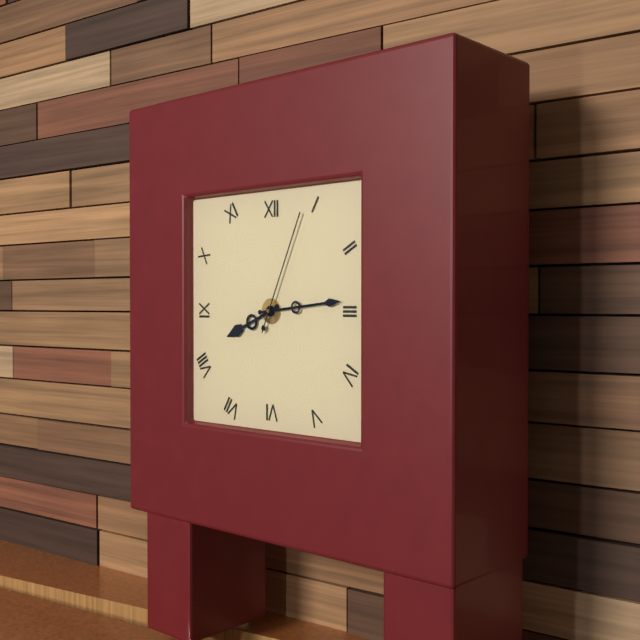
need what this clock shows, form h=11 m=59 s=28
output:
h=8 m=14 s=4
